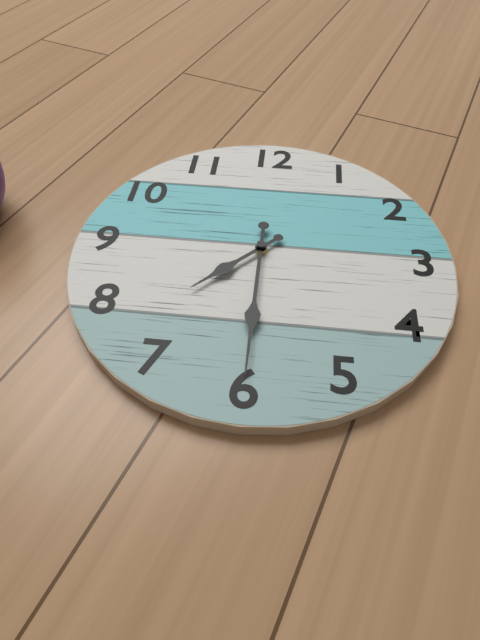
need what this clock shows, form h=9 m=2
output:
h=7 m=30
